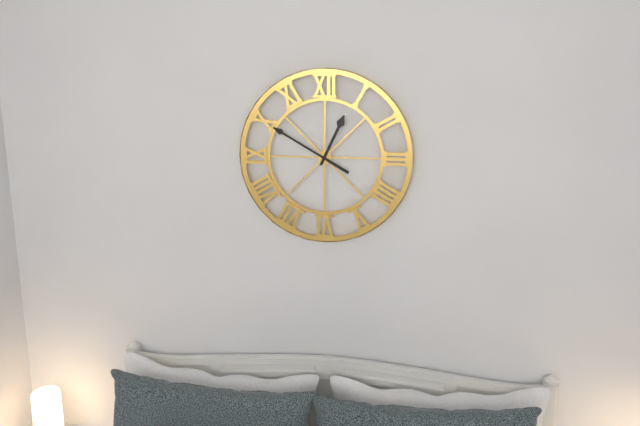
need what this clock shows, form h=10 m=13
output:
h=12 m=50
